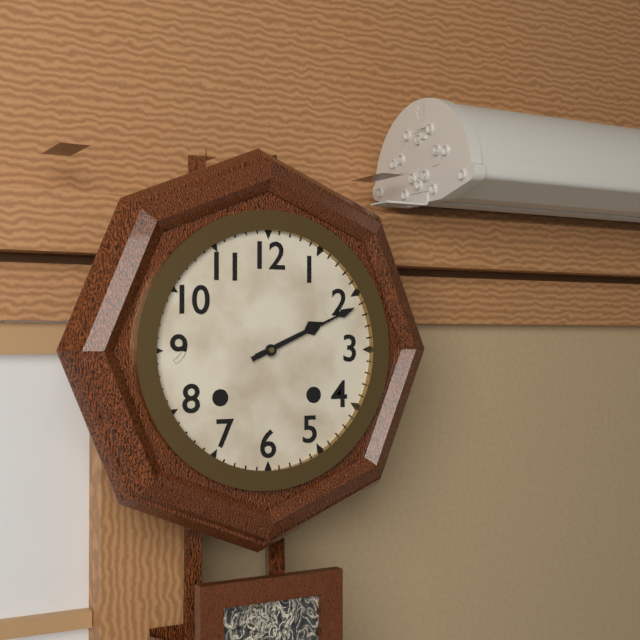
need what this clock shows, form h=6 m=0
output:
h=2 m=11
